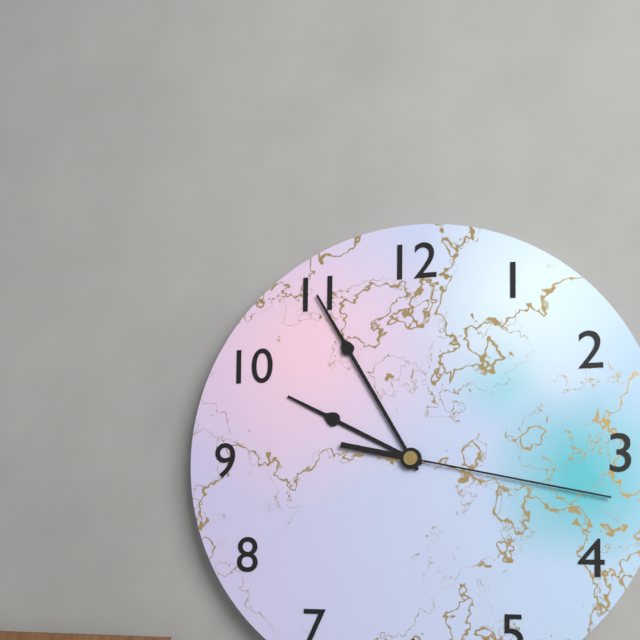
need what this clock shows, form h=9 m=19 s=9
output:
h=9 m=55 s=17
